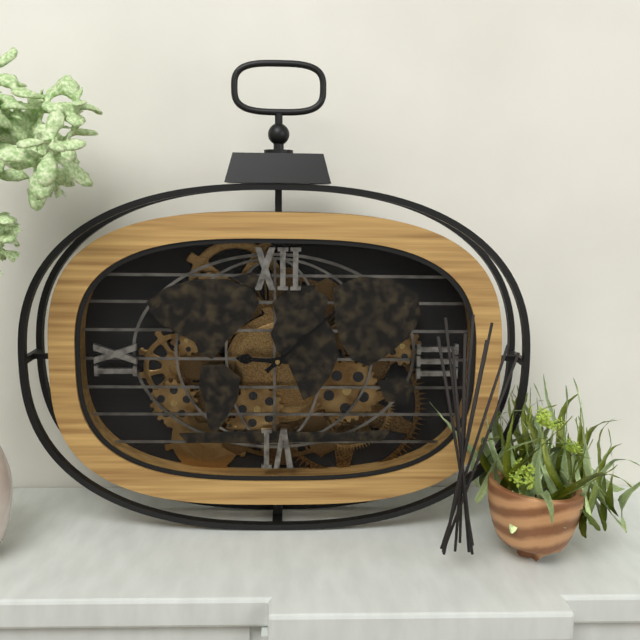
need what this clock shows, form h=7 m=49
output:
h=9 m=8
